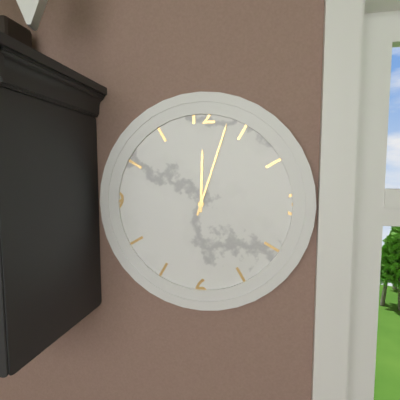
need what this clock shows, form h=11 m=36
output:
h=12 m=3
